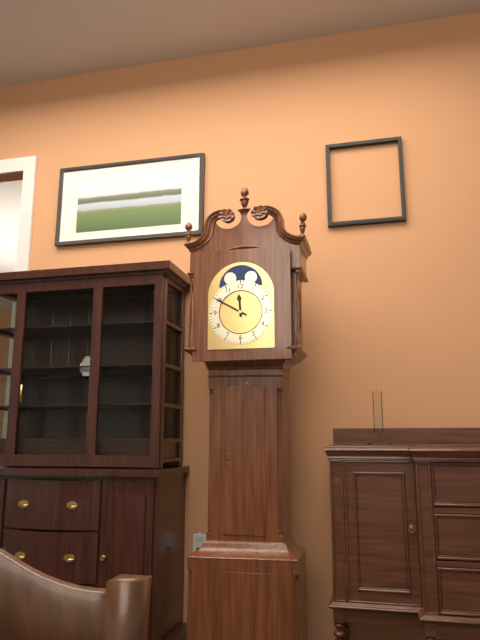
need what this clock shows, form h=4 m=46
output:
h=11 m=50
